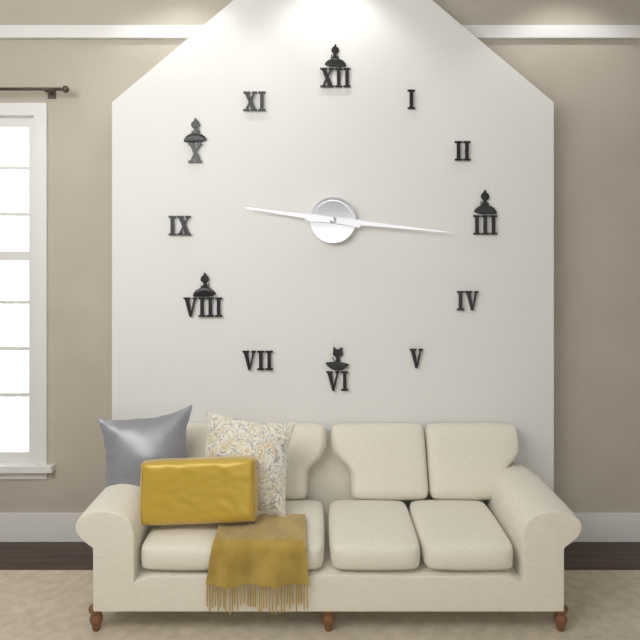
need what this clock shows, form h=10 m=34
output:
h=9 m=16
